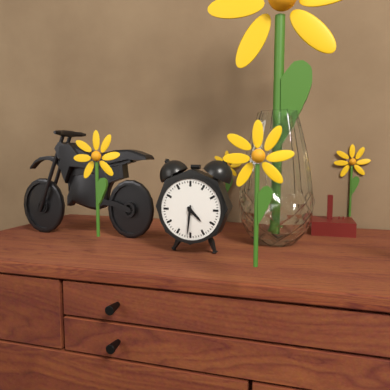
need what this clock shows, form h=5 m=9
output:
h=4 m=31
